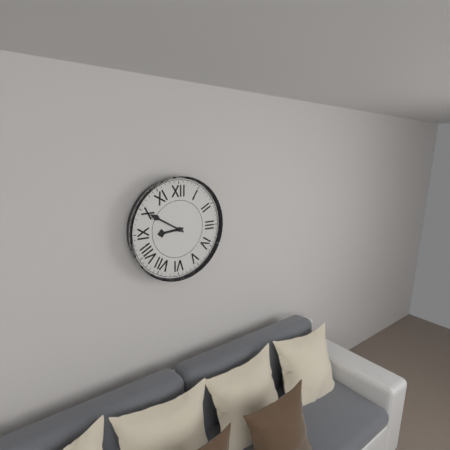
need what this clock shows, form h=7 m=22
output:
h=8 m=50
